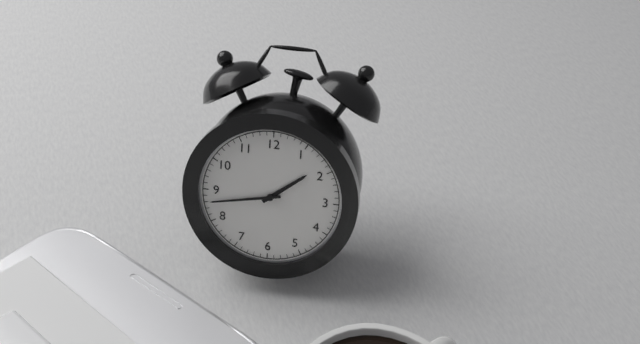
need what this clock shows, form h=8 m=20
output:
h=1 m=43
